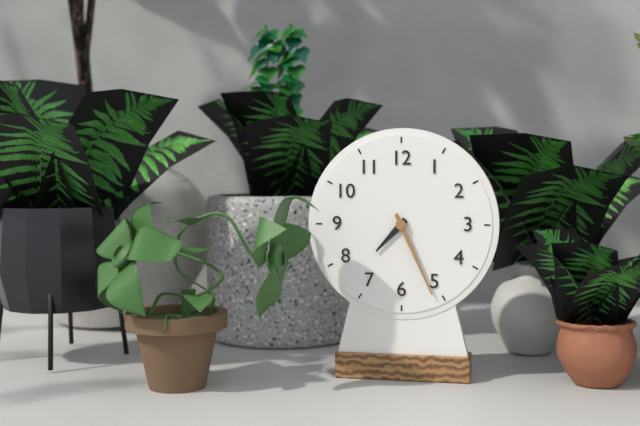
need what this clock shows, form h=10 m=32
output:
h=7 m=26
